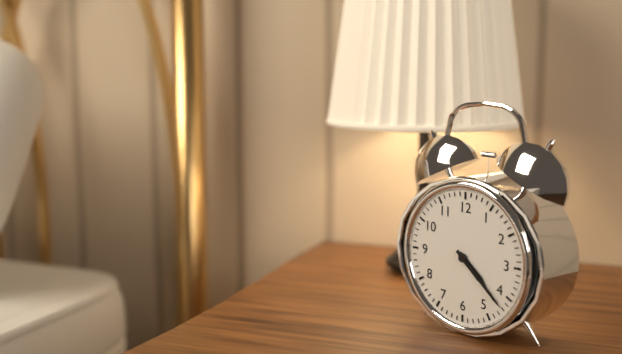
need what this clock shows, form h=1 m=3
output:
h=4 m=22
